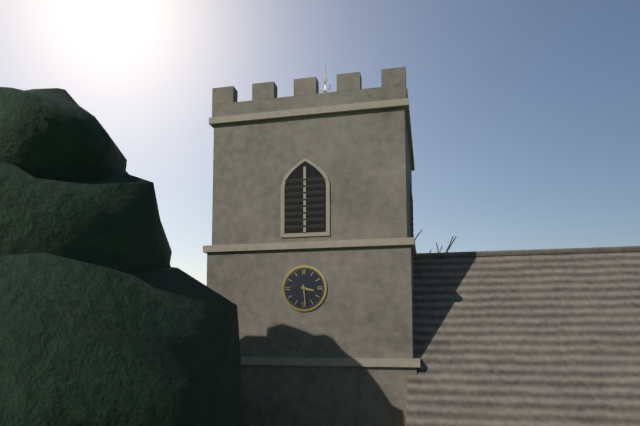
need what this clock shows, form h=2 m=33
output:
h=3 m=29
